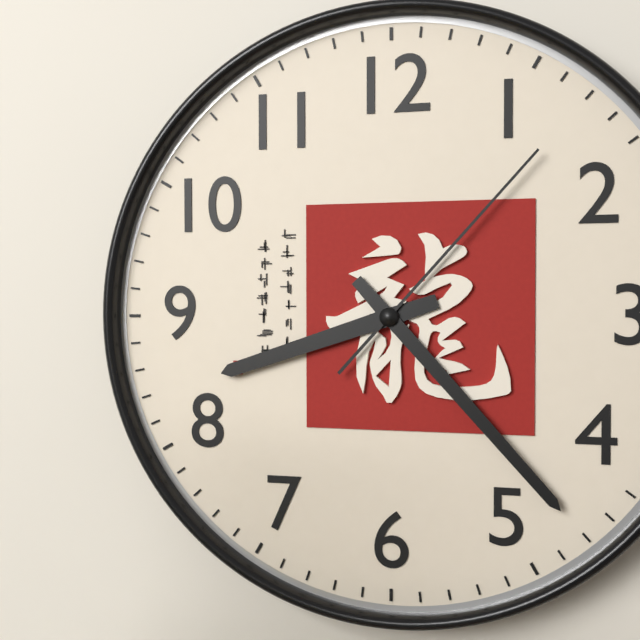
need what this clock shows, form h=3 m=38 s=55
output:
h=8 m=23 s=7
